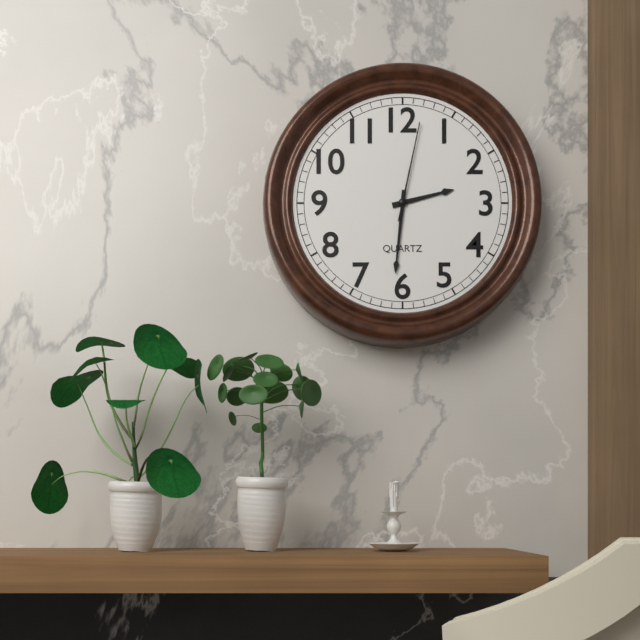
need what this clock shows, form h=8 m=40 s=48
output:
h=2 m=31 s=2
